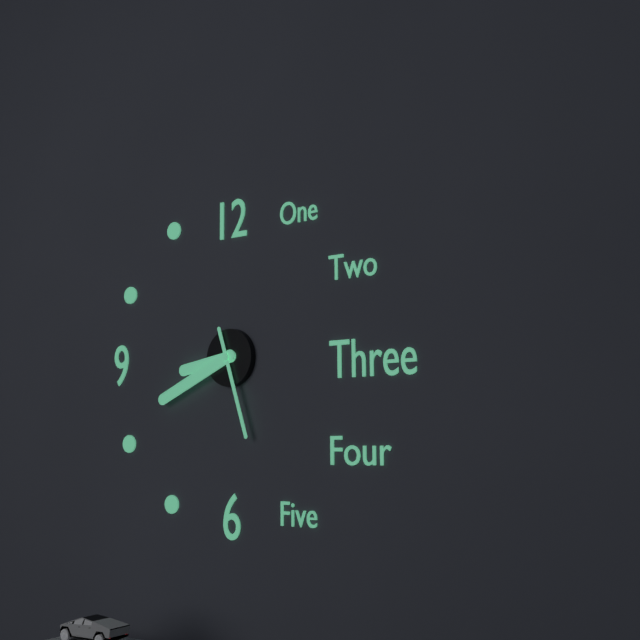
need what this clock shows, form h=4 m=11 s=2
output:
h=8 m=41 s=27
